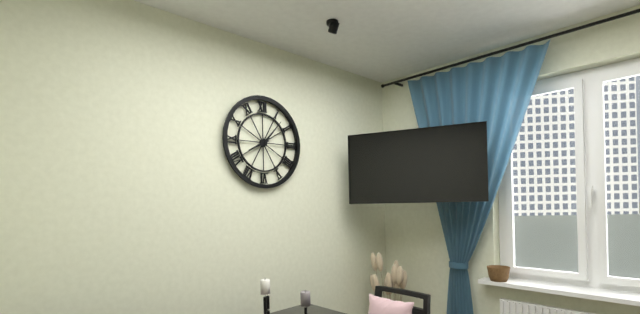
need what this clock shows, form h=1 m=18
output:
h=8 m=7
